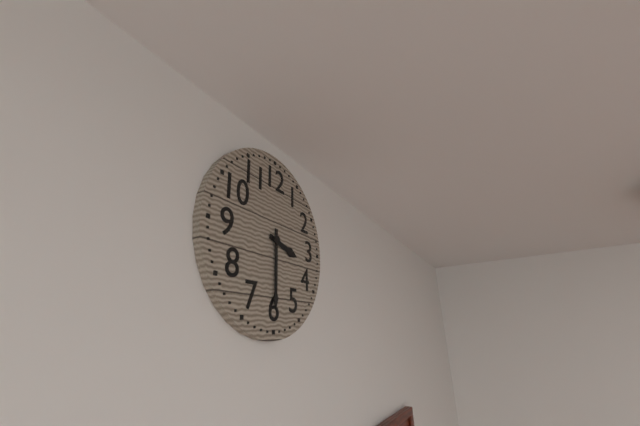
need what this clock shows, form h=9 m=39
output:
h=3 m=30
